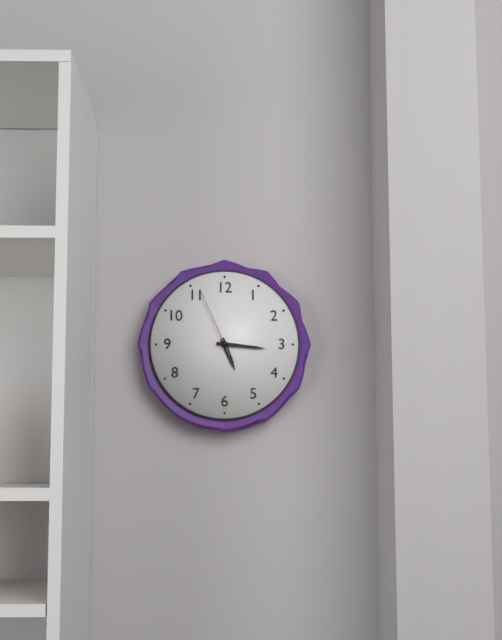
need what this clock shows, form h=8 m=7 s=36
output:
h=5 m=16 s=56
